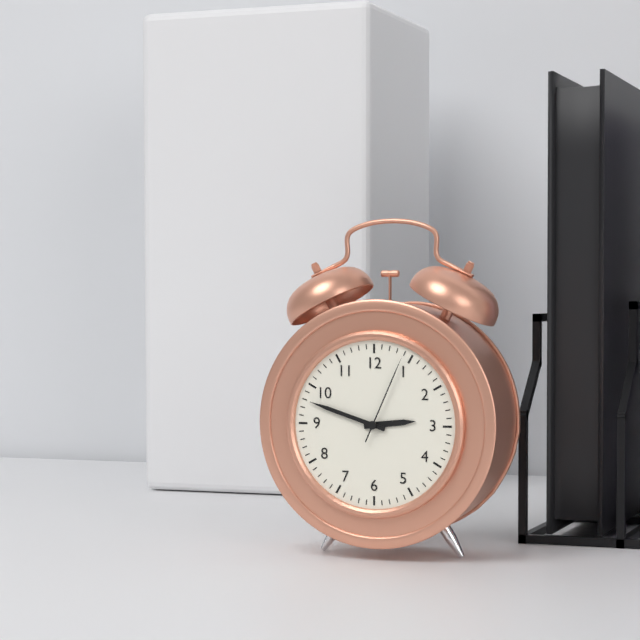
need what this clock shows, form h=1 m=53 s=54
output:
h=2 m=48 s=4
